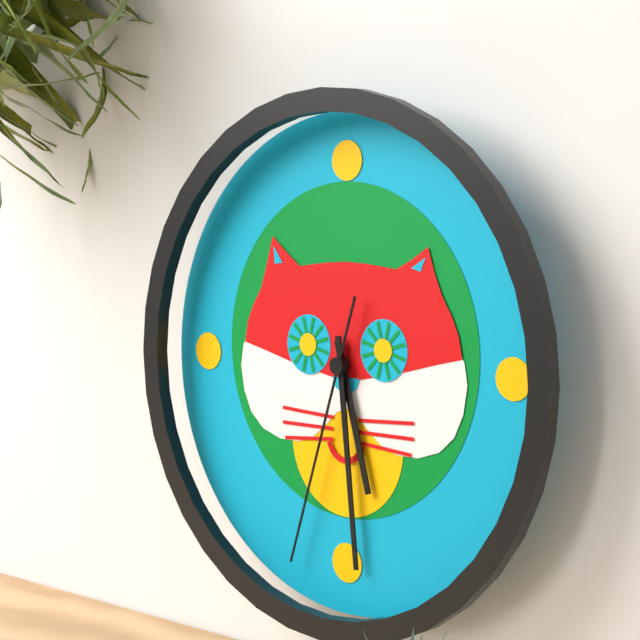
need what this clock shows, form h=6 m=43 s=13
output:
h=5 m=29 s=33
